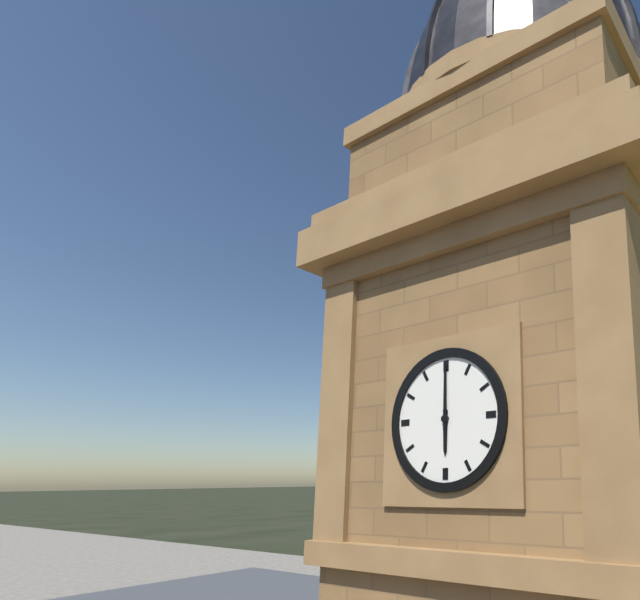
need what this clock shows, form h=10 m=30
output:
h=6 m=0
